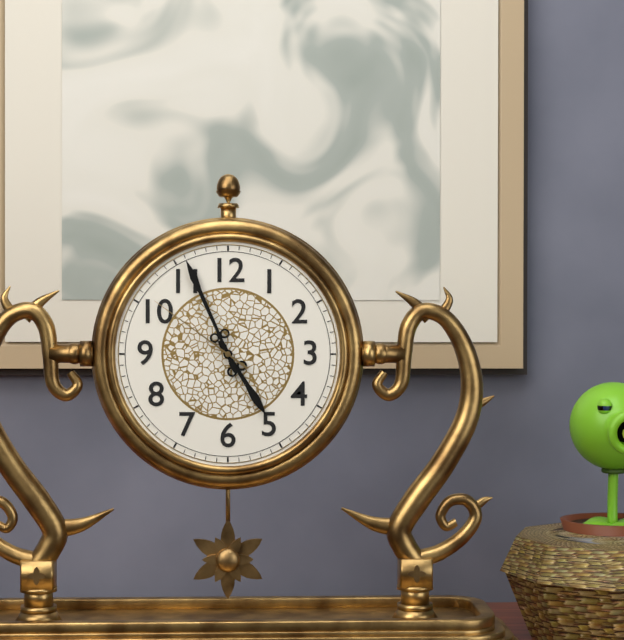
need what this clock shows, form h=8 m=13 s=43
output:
h=4 m=56 s=51
